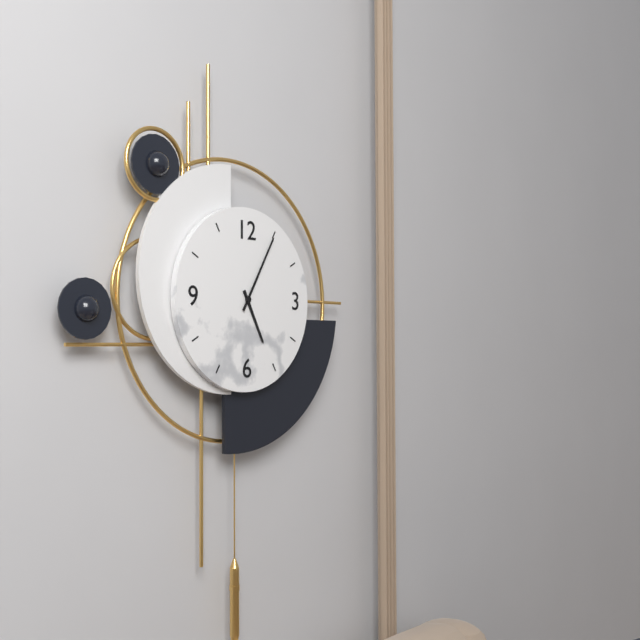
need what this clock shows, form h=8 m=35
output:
h=5 m=5
